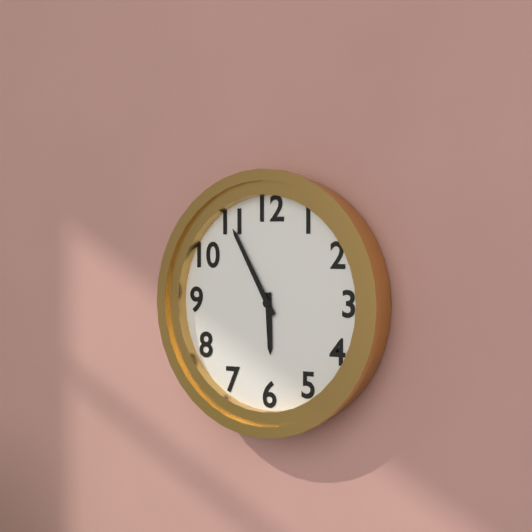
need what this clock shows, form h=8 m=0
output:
h=5 m=55
